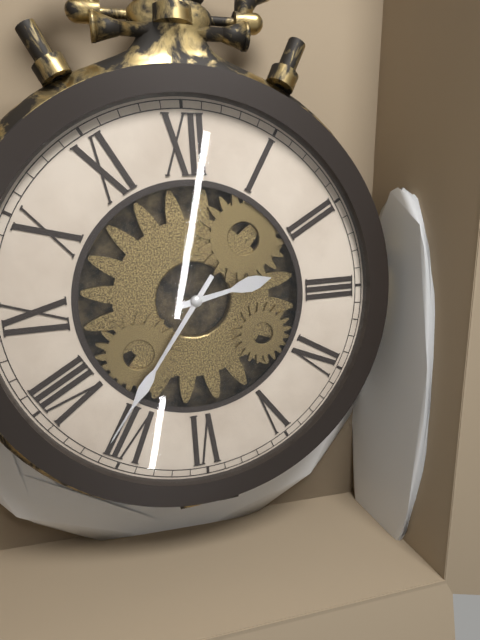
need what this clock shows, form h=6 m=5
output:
h=2 m=36
